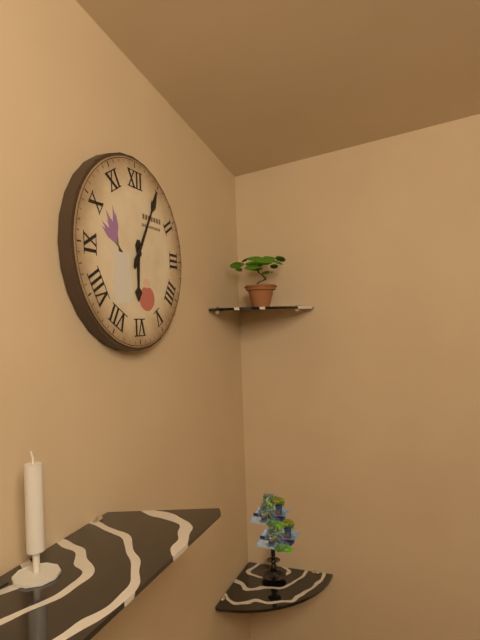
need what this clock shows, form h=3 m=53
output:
h=6 m=5
